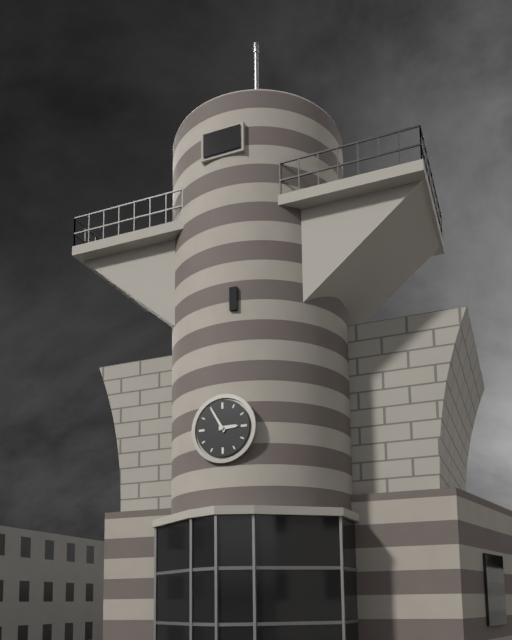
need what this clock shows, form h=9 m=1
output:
h=2 m=55
